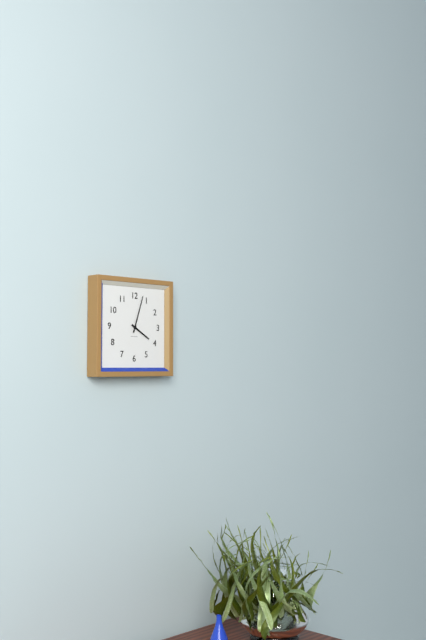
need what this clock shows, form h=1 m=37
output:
h=4 m=3
